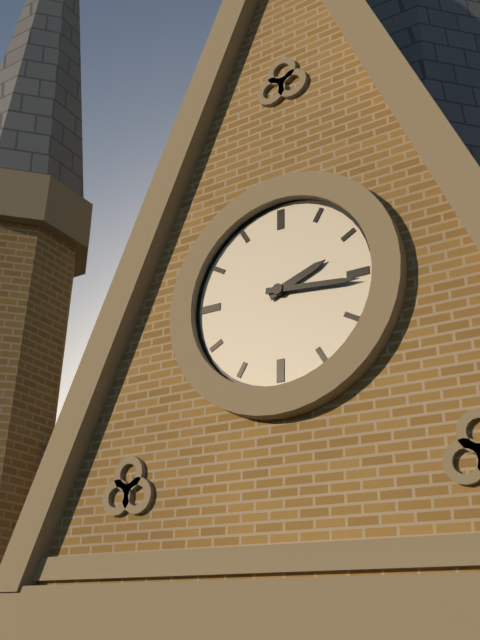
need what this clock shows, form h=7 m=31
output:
h=2 m=16
